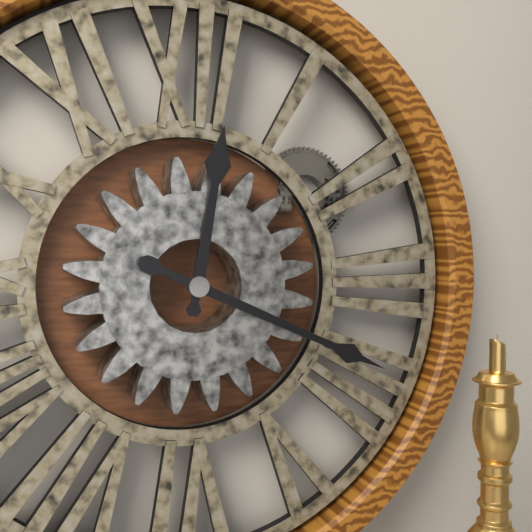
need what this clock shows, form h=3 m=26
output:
h=12 m=19
